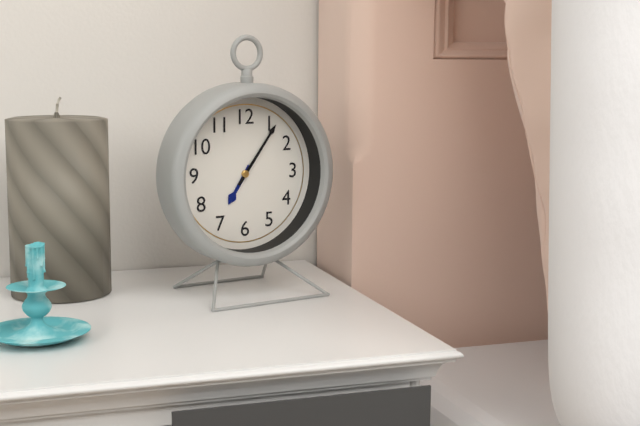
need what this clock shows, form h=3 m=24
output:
h=7 m=6
